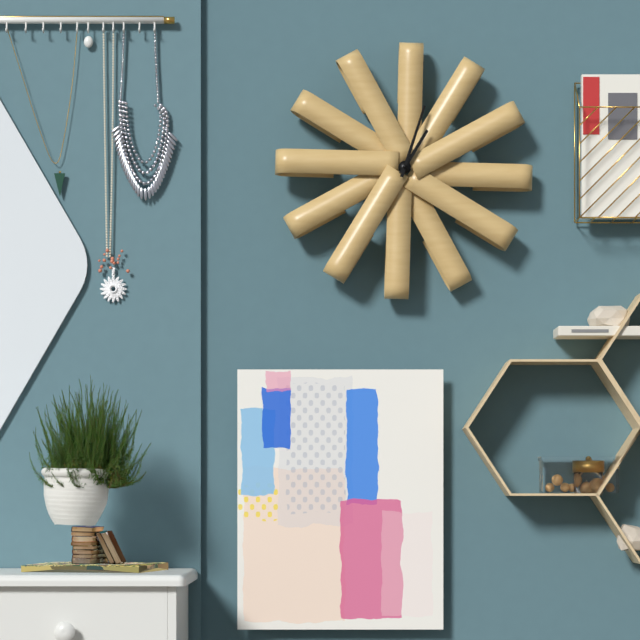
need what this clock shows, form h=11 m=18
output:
h=1 m=3
